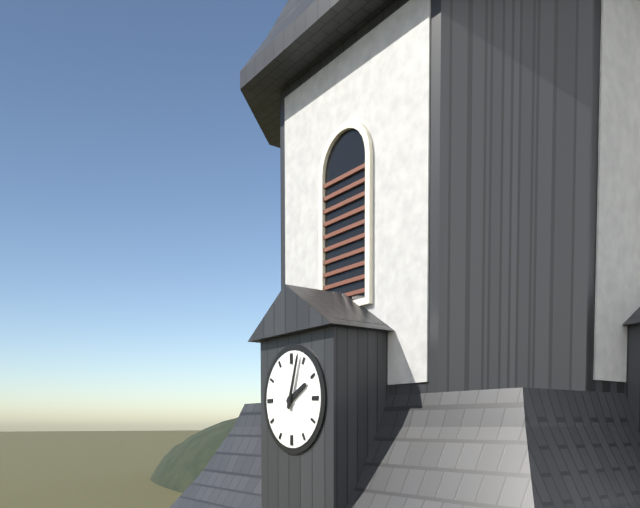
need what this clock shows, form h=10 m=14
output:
h=2 m=3
